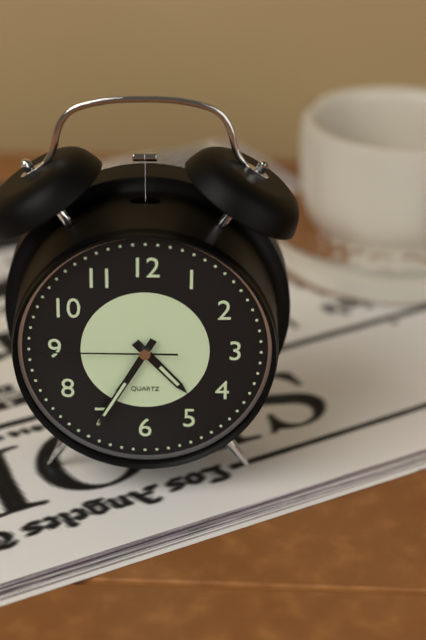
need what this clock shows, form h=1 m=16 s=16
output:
h=4 m=35 s=45
